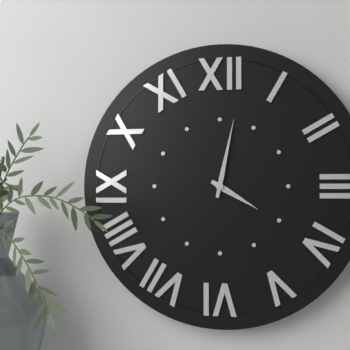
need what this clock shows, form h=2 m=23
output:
h=4 m=2
